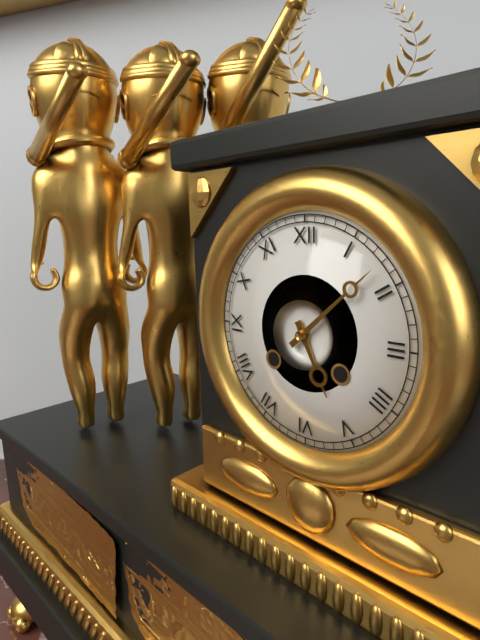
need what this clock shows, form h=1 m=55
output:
h=5 m=8
